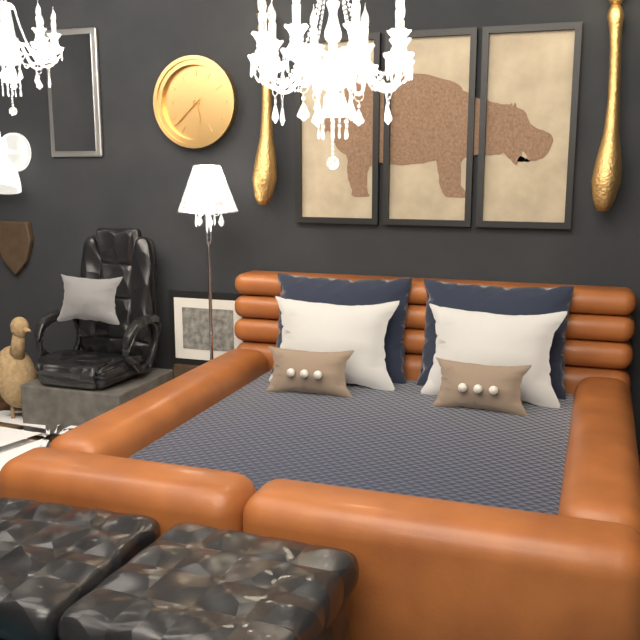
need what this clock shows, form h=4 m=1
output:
h=5 m=38
